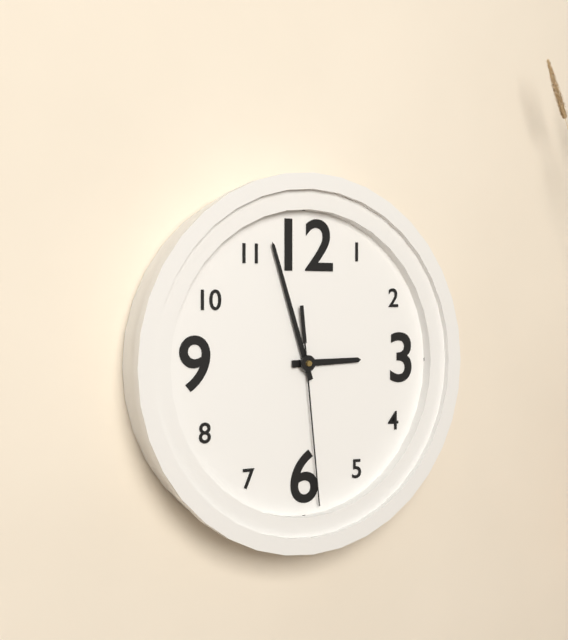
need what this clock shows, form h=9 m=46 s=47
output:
h=2 m=57 s=29
